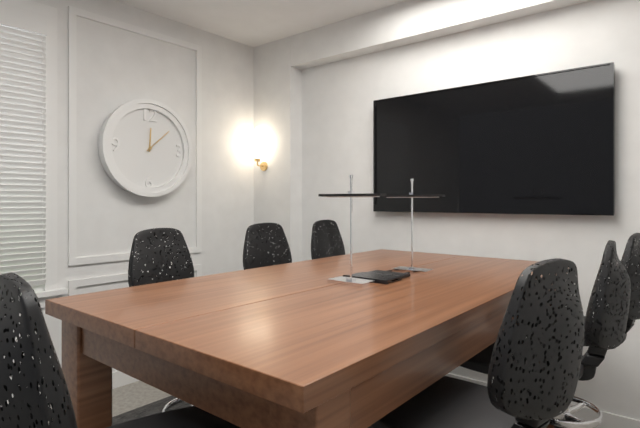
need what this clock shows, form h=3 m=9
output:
h=12 m=8
